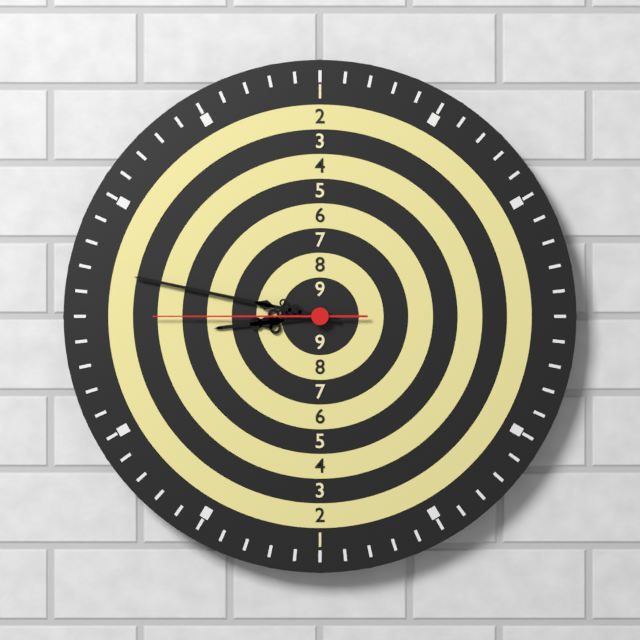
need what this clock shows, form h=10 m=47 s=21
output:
h=8 m=47 s=45
